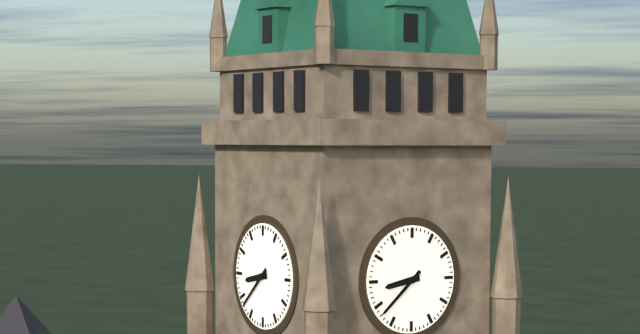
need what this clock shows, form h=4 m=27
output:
h=8 m=38
